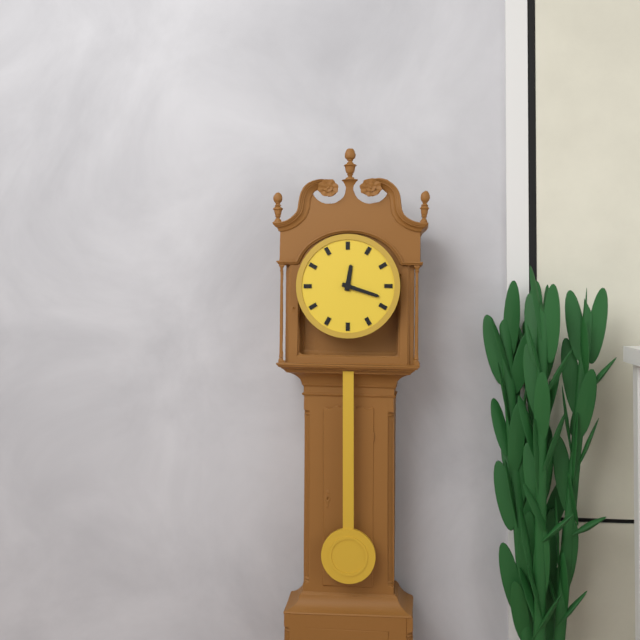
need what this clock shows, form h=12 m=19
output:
h=12 m=18
